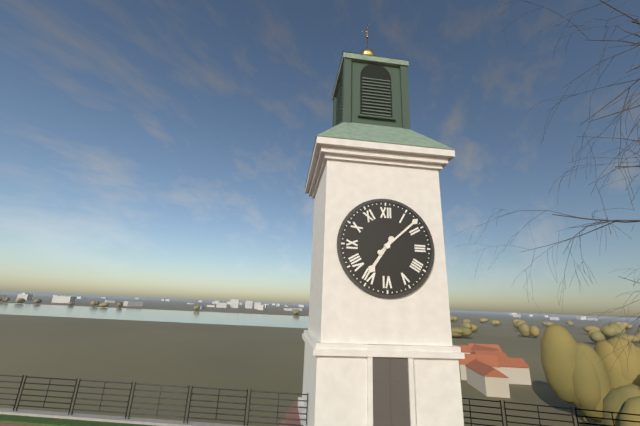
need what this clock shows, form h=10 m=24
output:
h=7 m=8
